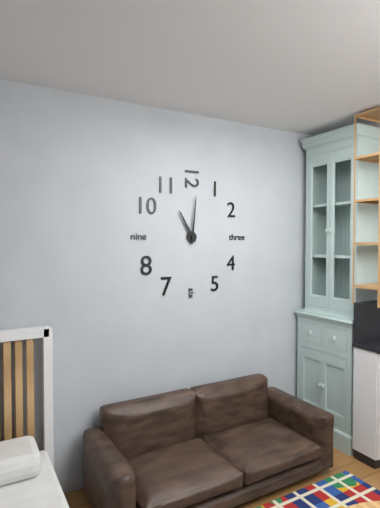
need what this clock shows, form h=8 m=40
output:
h=11 m=1
